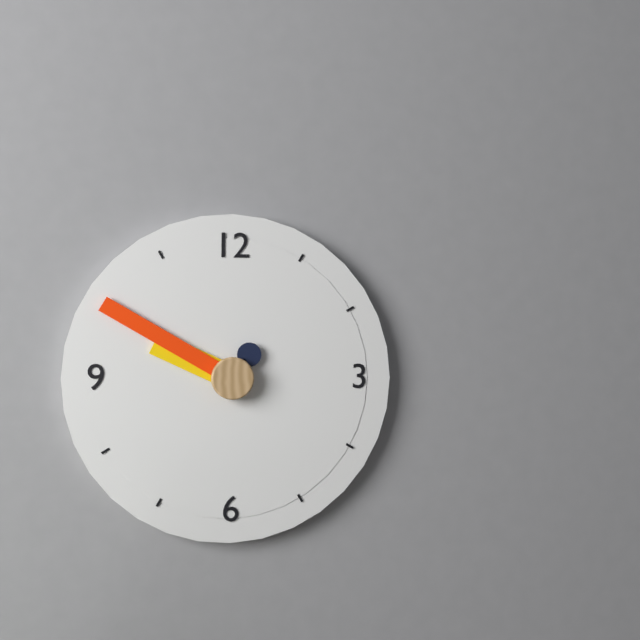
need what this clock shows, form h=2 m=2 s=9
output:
h=9 m=50 s=6
